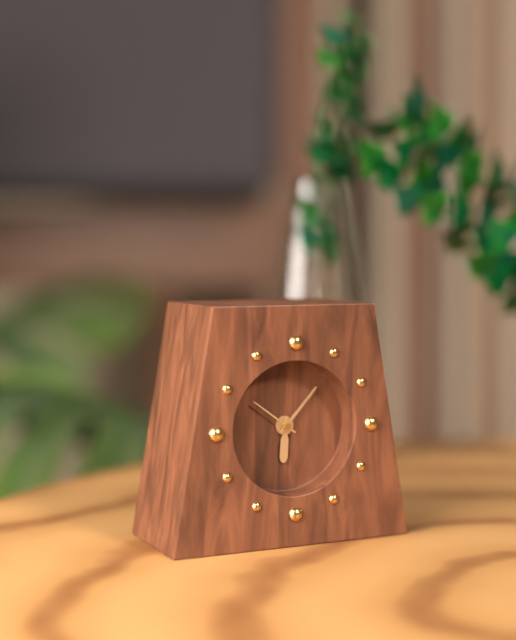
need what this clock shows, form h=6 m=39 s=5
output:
h=6 m=7 s=51
